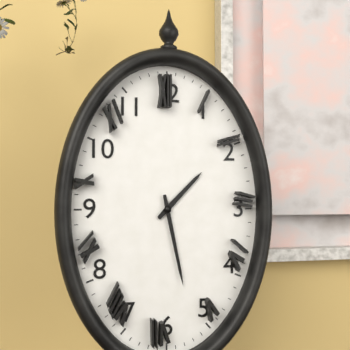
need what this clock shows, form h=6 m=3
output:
h=1 m=28
